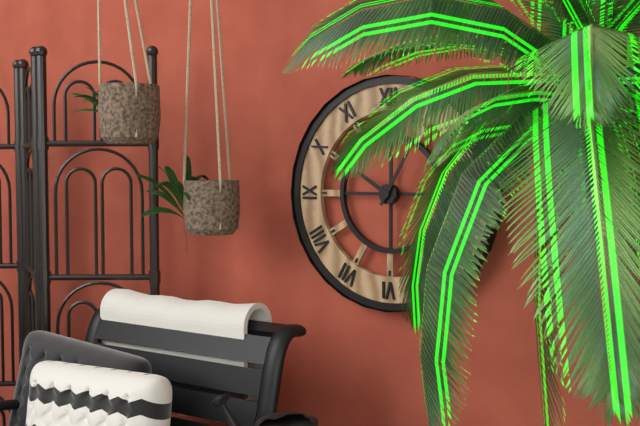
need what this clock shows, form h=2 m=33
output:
h=10 m=5
